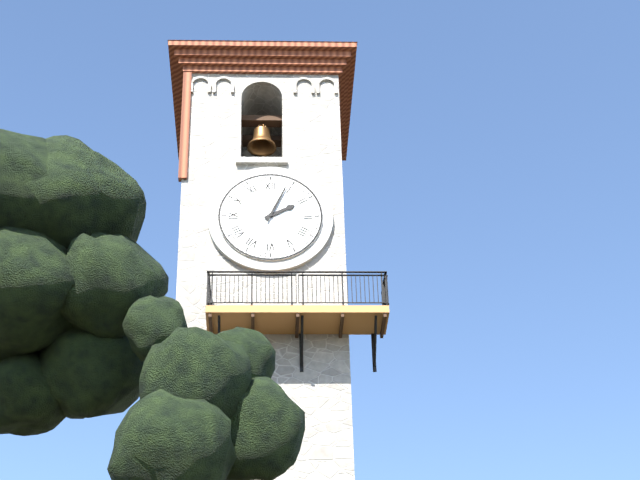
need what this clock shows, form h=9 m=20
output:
h=2 m=4
